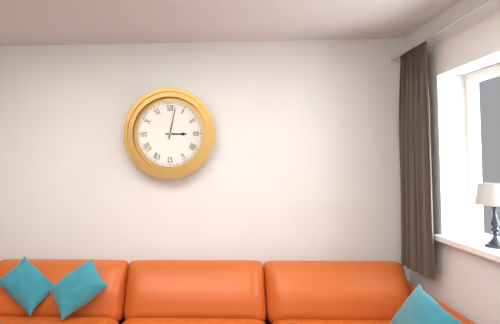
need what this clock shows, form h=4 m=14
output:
h=3 m=2
